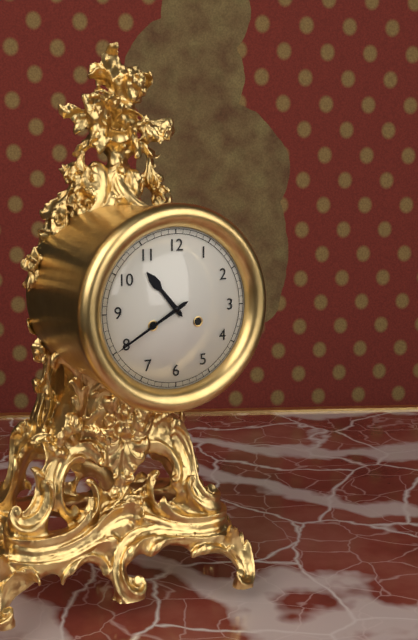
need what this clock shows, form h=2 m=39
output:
h=10 m=40
